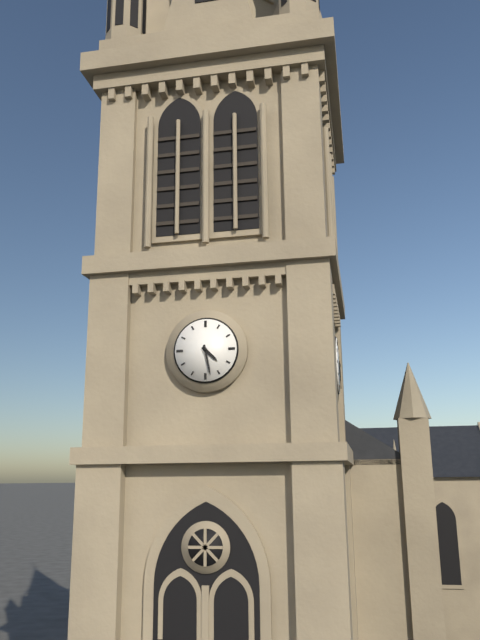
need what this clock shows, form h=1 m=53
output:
h=4 m=28
